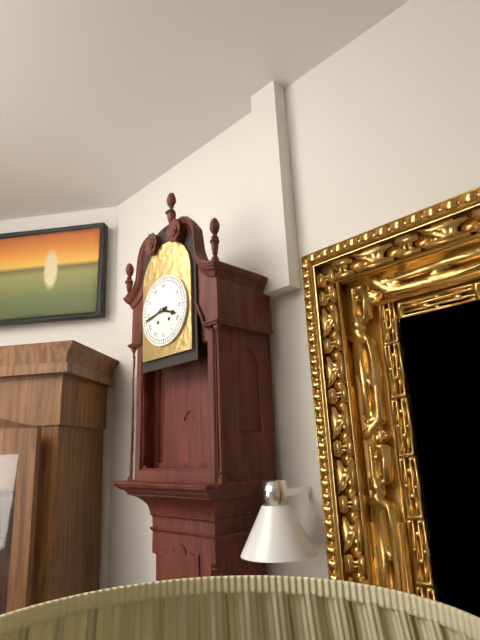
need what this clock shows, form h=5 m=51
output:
h=3 m=43
